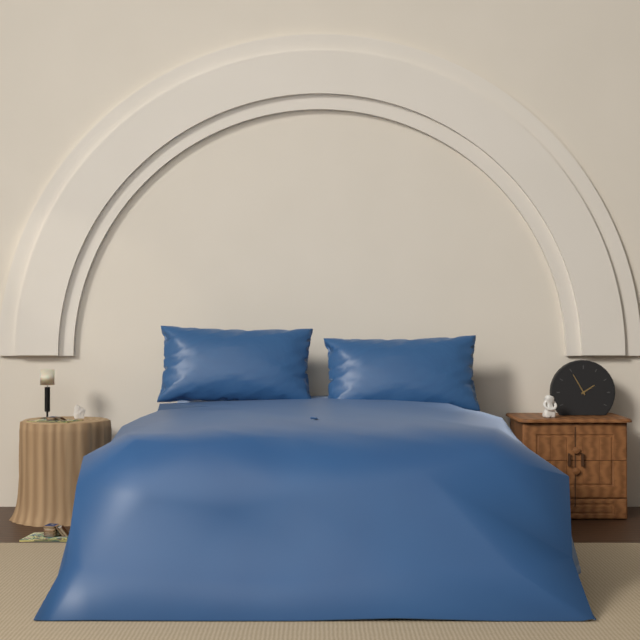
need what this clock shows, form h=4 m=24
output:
h=1 m=55
